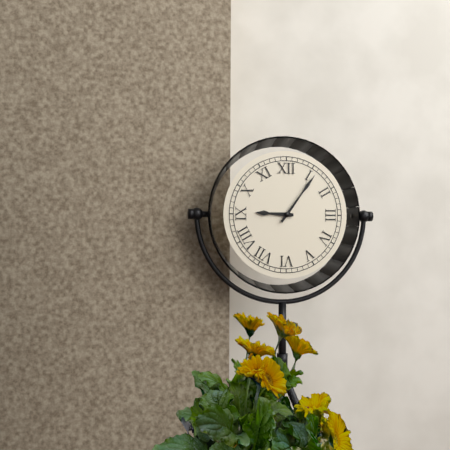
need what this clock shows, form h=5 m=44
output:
h=9 m=6
